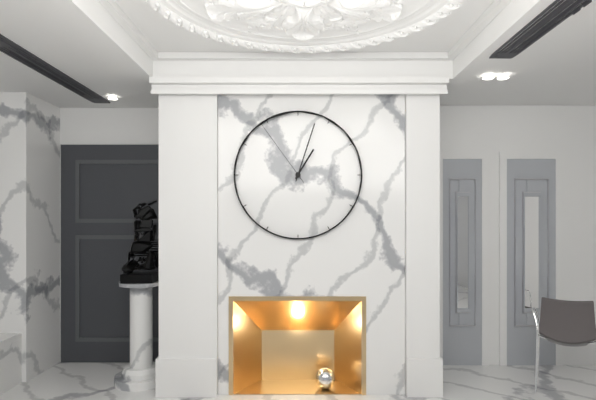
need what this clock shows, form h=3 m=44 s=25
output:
h=1 m=3 s=54
